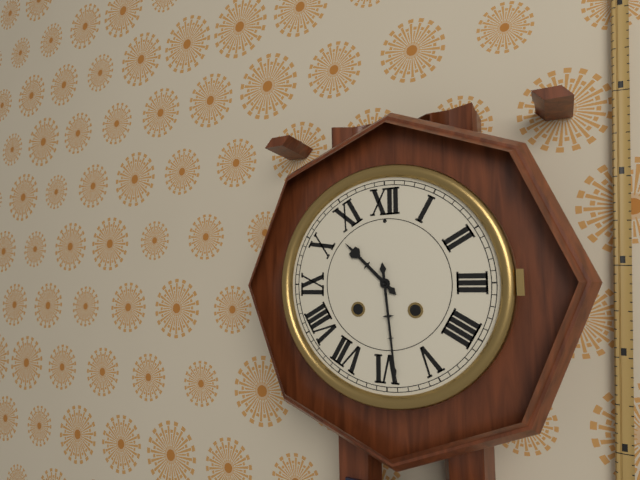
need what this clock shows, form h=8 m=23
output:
h=10 m=29
